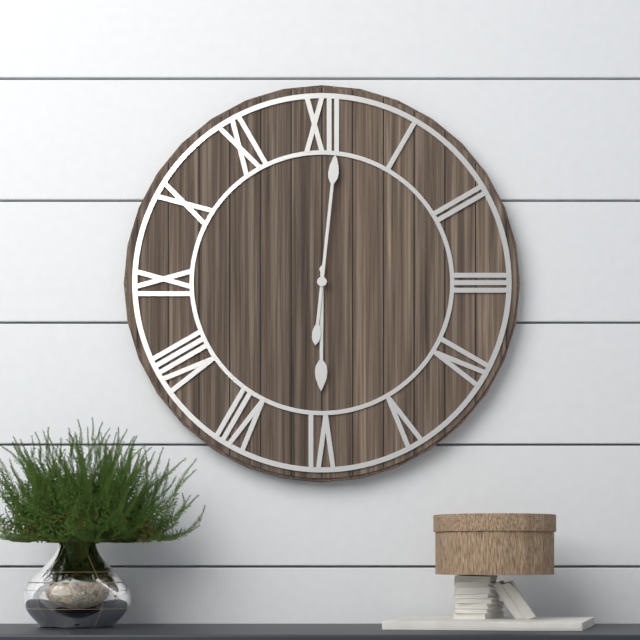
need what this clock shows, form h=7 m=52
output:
h=6 m=1
